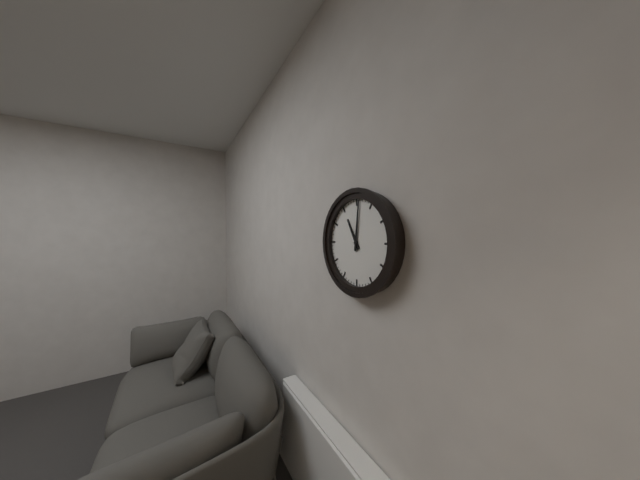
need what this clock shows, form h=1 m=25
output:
h=11 m=1
